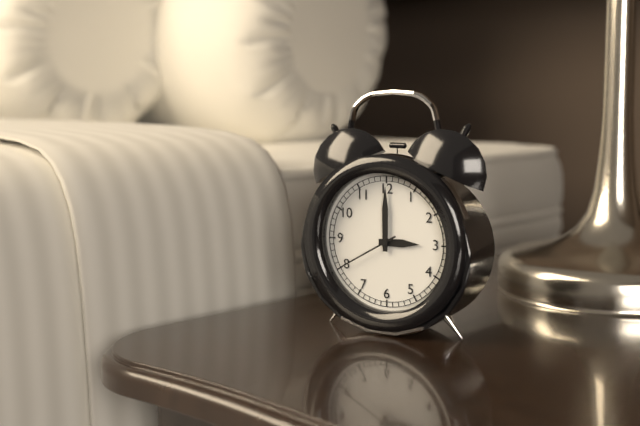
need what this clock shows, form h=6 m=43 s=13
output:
h=3 m=0 s=40
